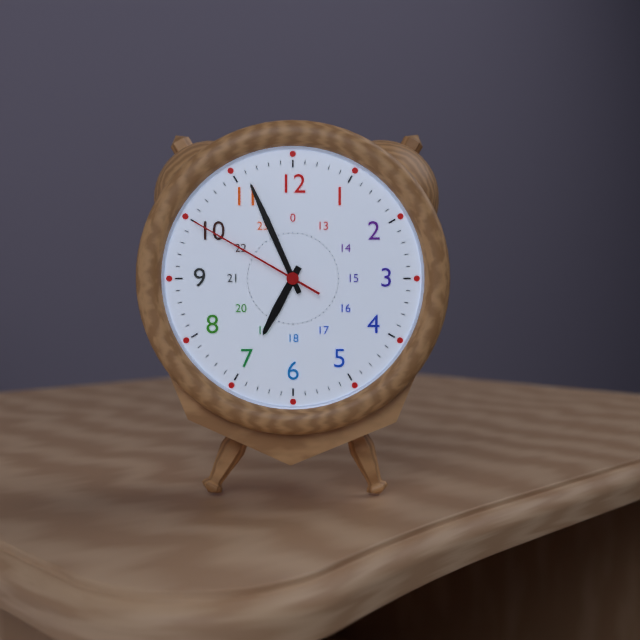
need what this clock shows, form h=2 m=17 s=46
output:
h=6 m=56 s=50
